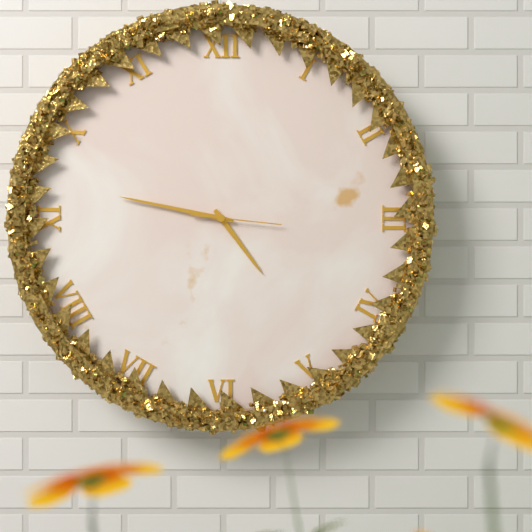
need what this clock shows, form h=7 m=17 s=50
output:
h=4 m=47 s=16
